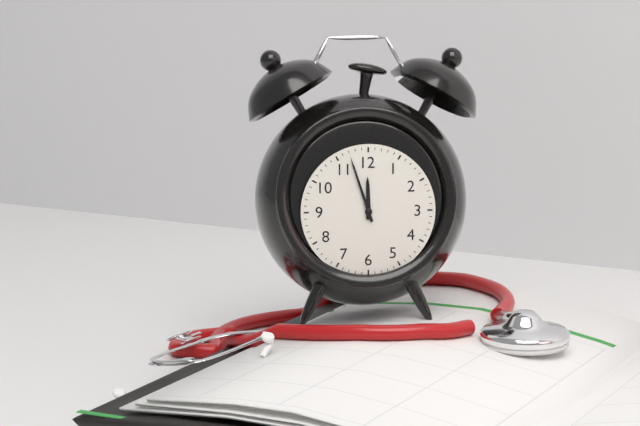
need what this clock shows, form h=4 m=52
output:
h=11 m=57
